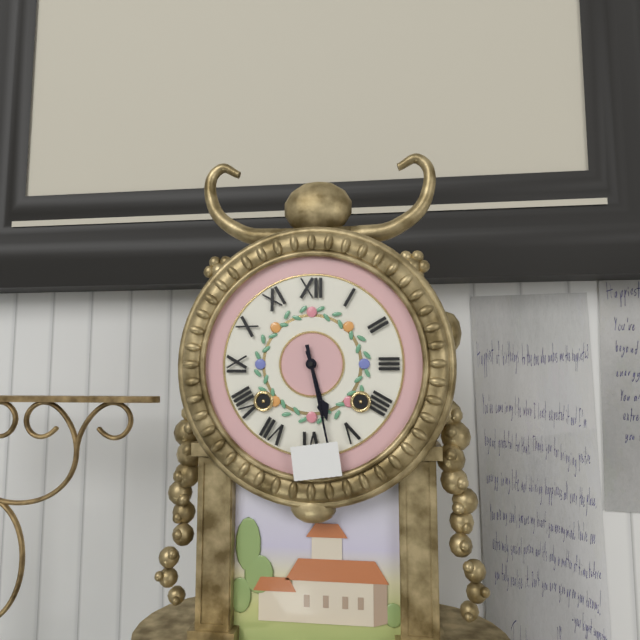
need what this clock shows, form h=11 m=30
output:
h=5 m=28
